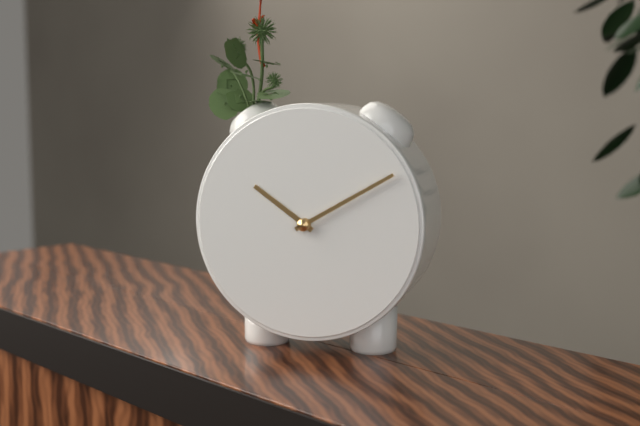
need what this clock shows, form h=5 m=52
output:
h=10 m=10
